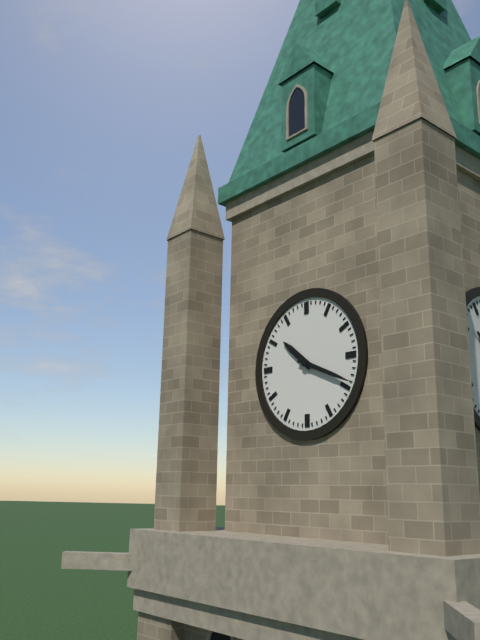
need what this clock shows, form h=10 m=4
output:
h=10 m=19
